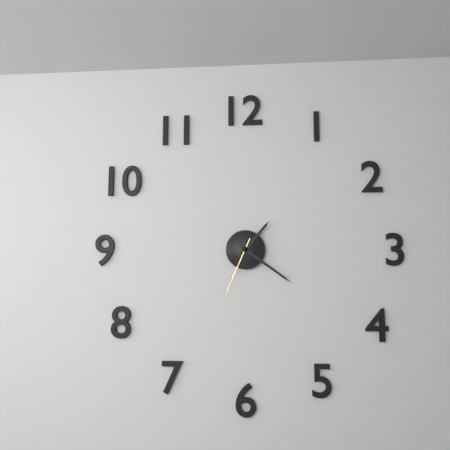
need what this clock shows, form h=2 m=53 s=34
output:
h=1 m=21 s=34
